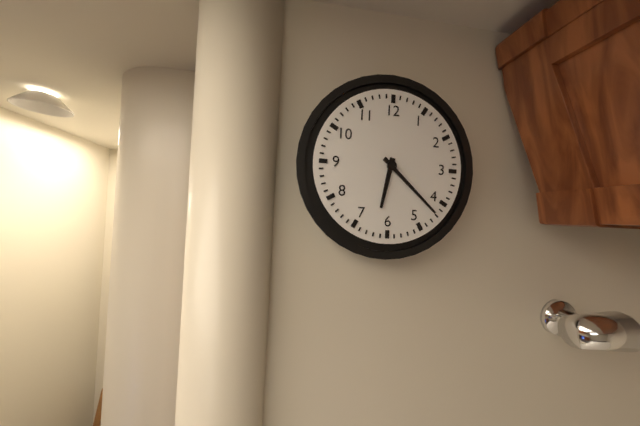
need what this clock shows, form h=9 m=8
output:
h=6 m=22
